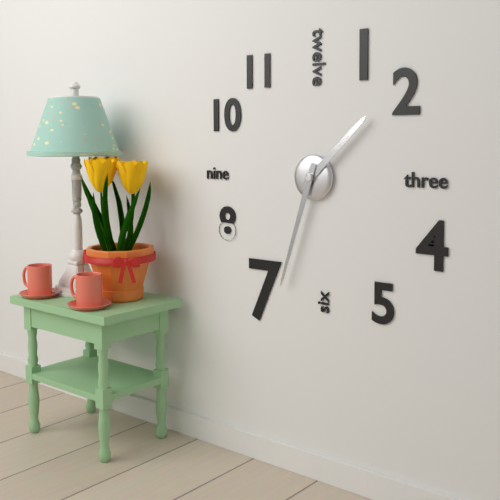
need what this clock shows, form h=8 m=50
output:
h=1 m=33
